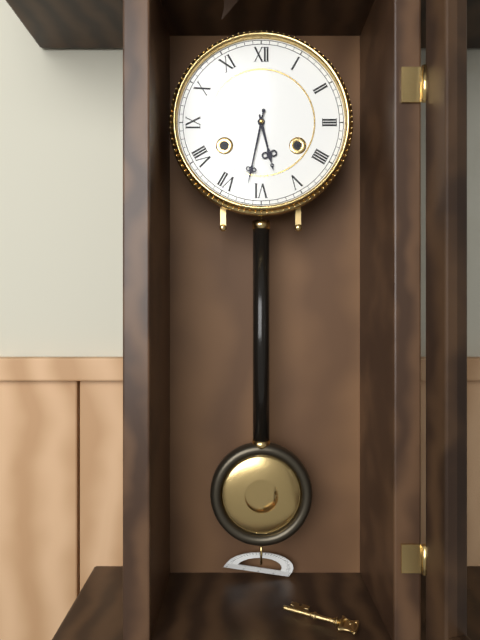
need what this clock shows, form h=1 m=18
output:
h=5 m=32
